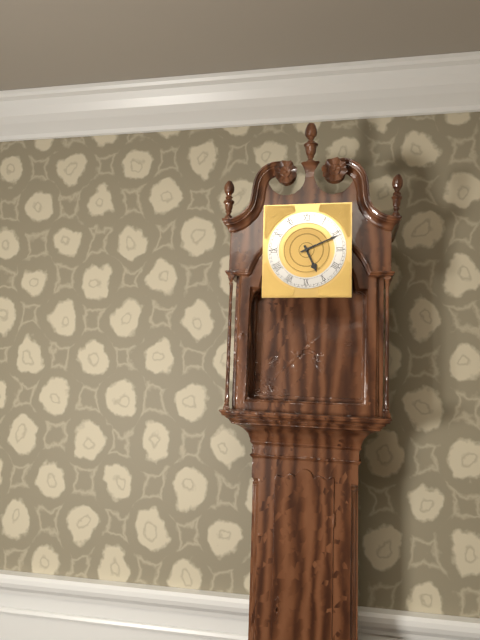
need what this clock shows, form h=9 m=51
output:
h=5 m=11
